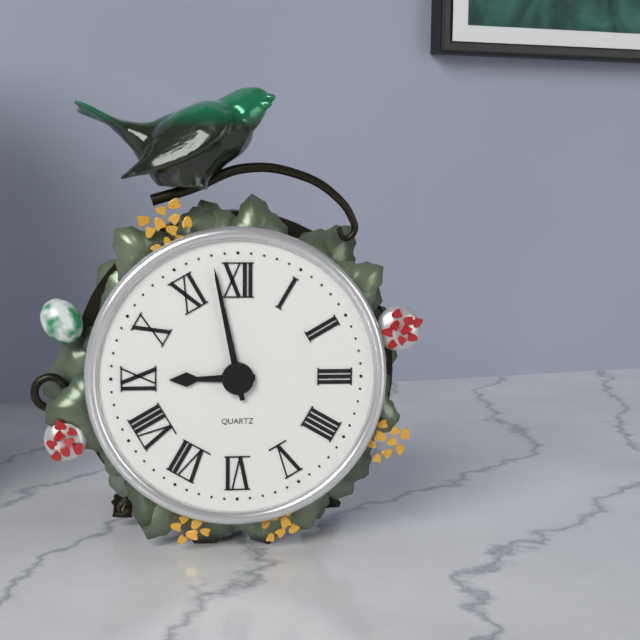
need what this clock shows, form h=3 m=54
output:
h=8 m=58
